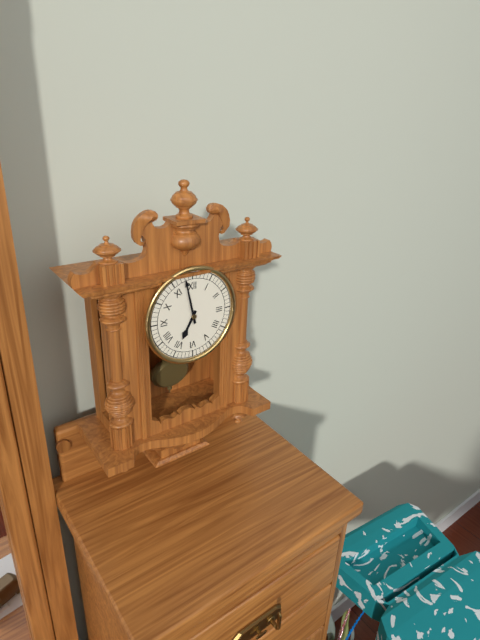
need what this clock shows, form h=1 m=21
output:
h=6 m=58
